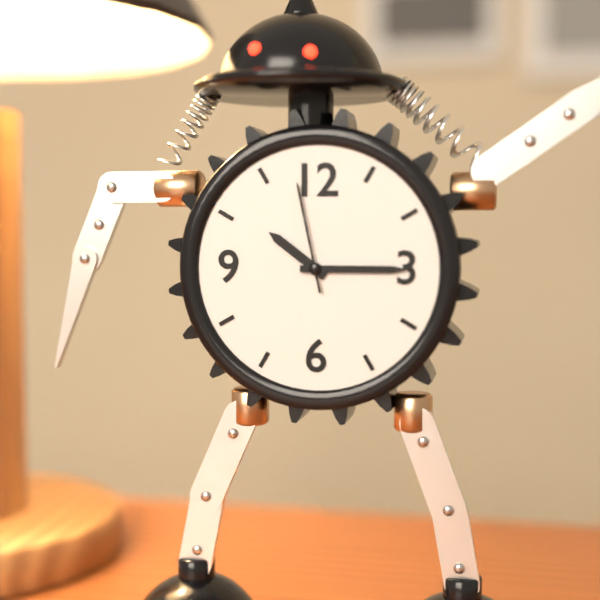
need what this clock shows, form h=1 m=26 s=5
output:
h=10 m=15 s=58
